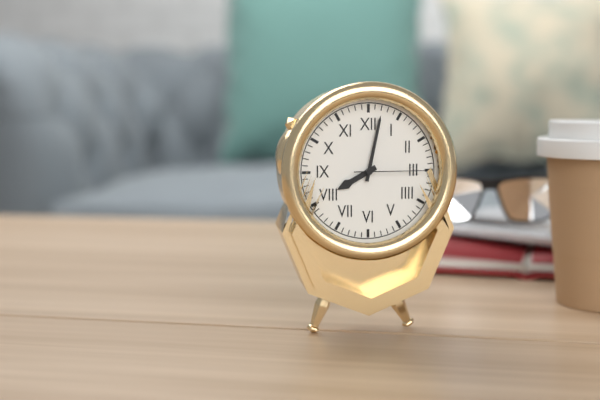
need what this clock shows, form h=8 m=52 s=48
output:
h=8 m=2 s=15
